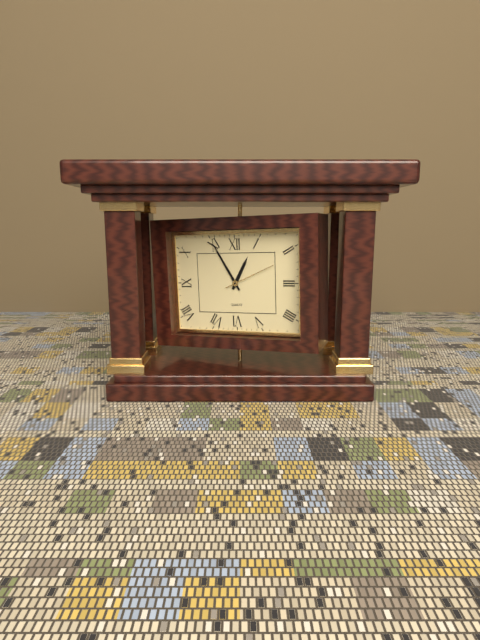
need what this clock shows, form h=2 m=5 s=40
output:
h=12 m=55 s=11
